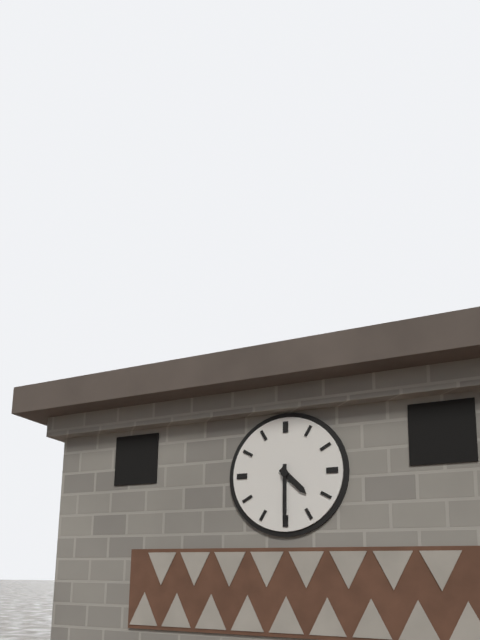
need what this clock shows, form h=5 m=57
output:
h=4 m=30
